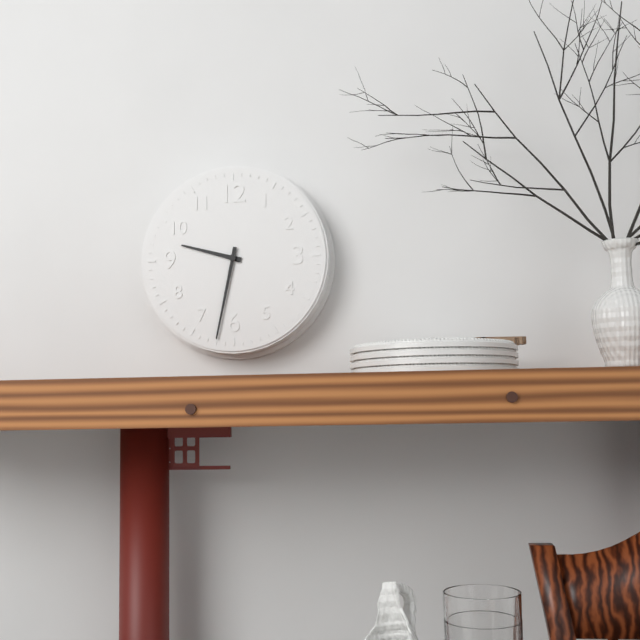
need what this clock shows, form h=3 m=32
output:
h=9 m=32
